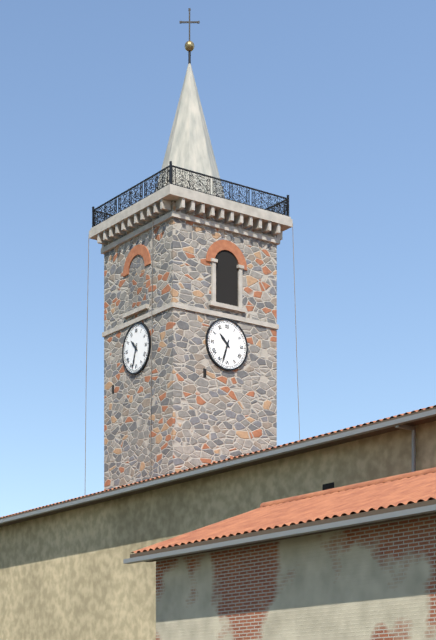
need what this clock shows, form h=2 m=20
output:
h=10 m=33
